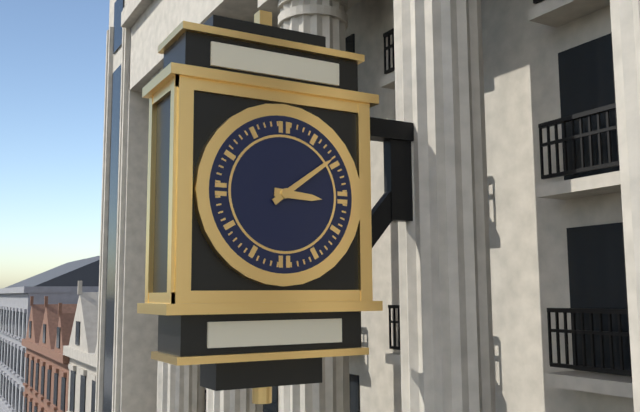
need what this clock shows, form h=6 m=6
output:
h=3 m=9
